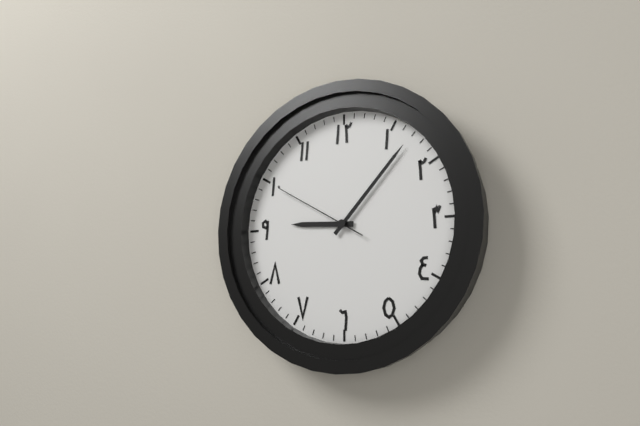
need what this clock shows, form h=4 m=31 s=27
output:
h=9 m=7 s=50
